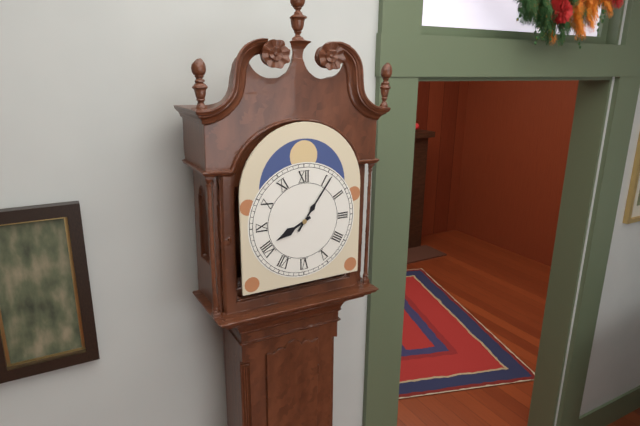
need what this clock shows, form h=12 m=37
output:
h=8 m=6
